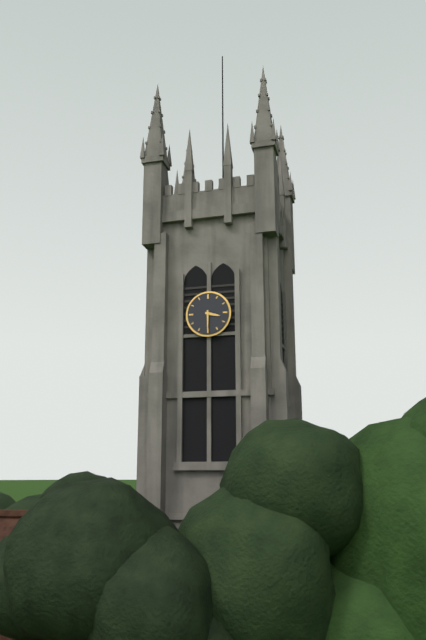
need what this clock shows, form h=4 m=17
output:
h=3 m=30
